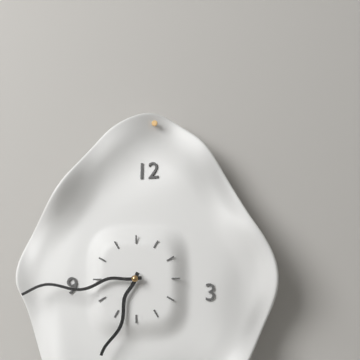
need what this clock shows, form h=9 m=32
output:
h=6 m=44
